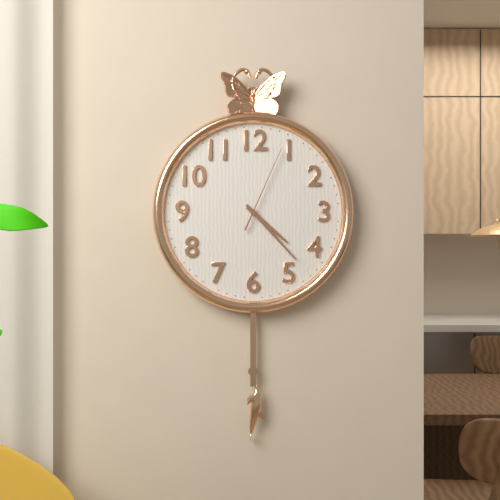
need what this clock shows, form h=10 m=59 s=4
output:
h=4 m=23 s=4
